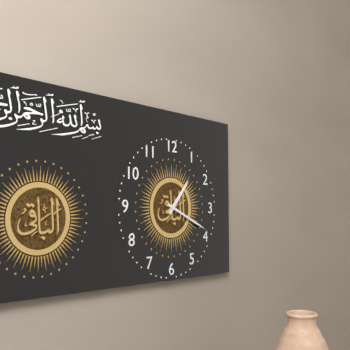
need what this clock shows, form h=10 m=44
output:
h=1 m=19
